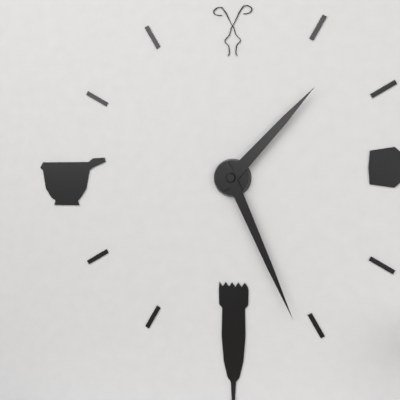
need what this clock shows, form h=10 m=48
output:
h=1 m=26
